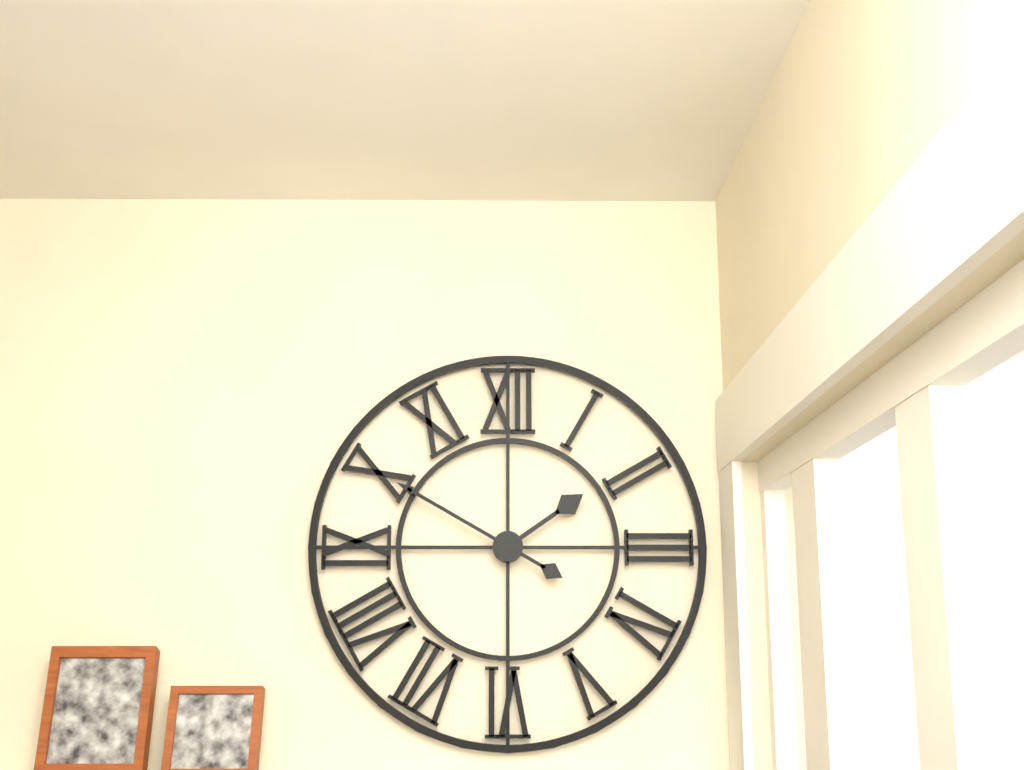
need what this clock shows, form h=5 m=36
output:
h=1 m=50
